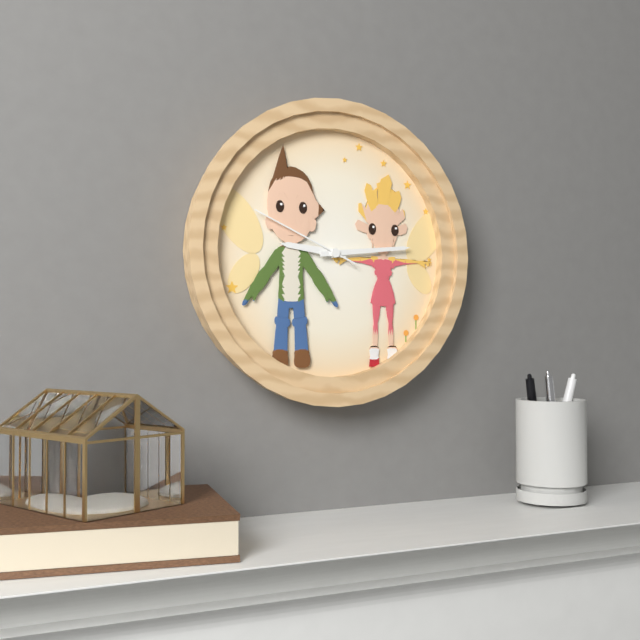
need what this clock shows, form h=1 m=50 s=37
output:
h=9 m=14 s=49
